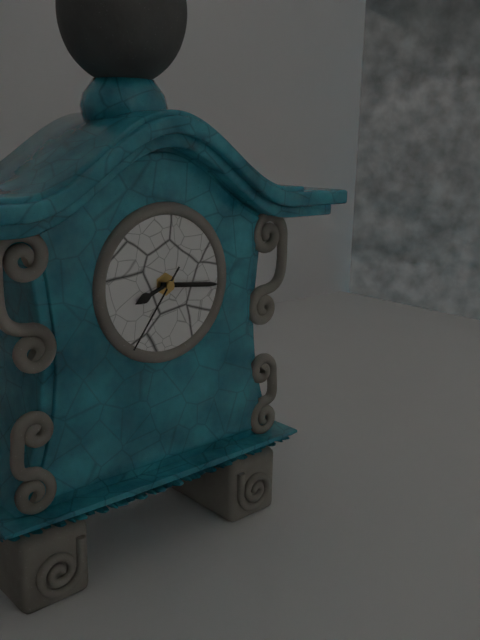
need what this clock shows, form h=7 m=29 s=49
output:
h=8 m=16 s=36
